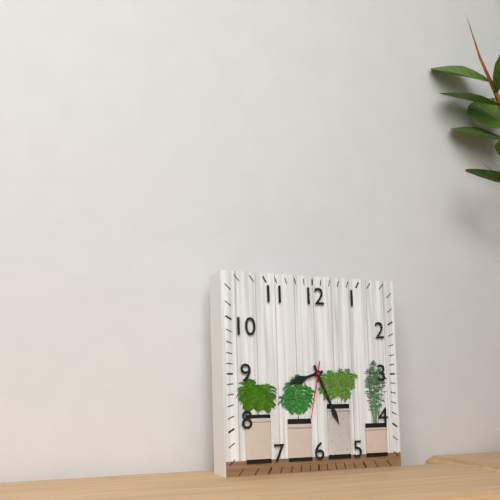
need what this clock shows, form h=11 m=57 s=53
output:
h=8 m=26 s=32
